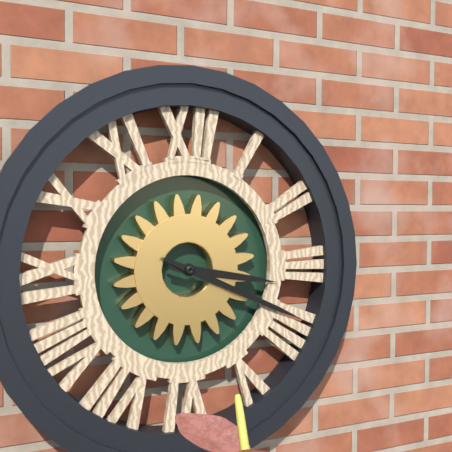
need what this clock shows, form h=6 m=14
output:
h=3 m=19
